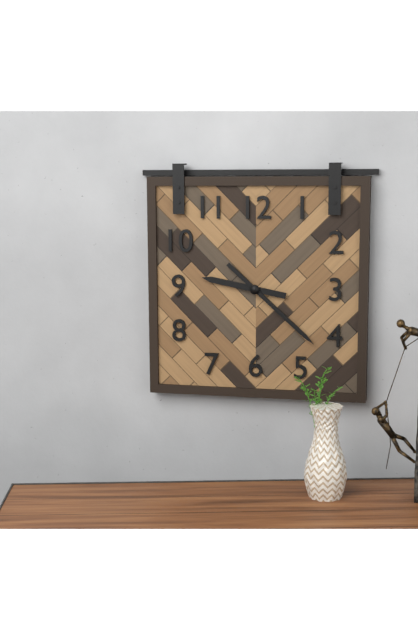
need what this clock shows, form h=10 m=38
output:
h=9 m=22
